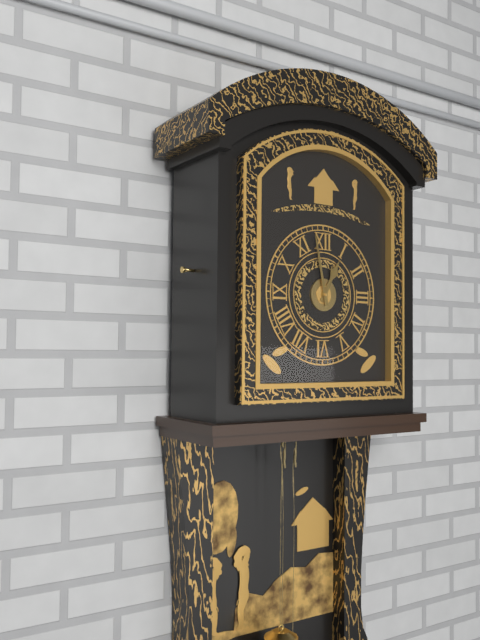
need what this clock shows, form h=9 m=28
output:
h=12 m=58
